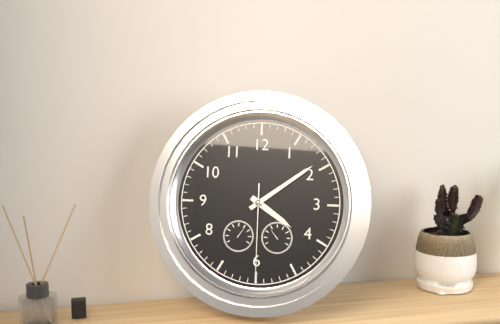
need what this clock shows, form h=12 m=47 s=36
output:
h=4 m=9 s=30
